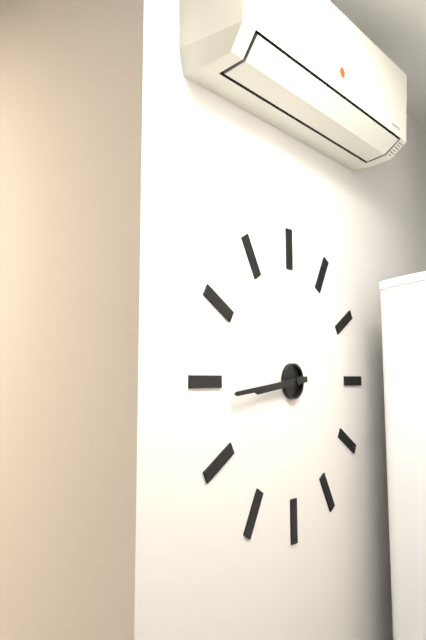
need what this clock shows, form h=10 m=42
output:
h=8 m=44
